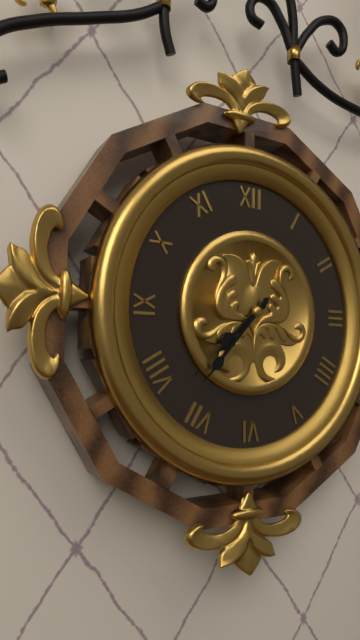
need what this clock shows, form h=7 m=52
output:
h=7 m=37
